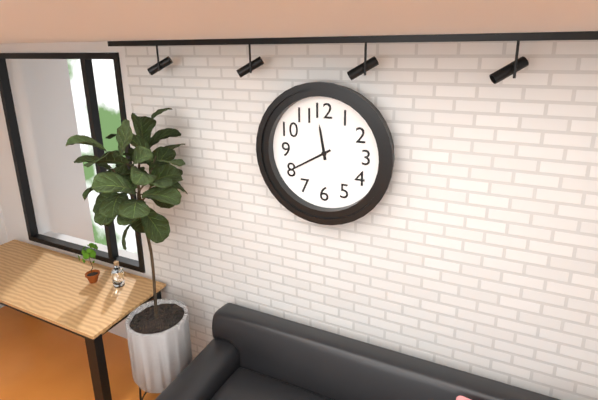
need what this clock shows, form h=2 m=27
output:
h=11 m=40
